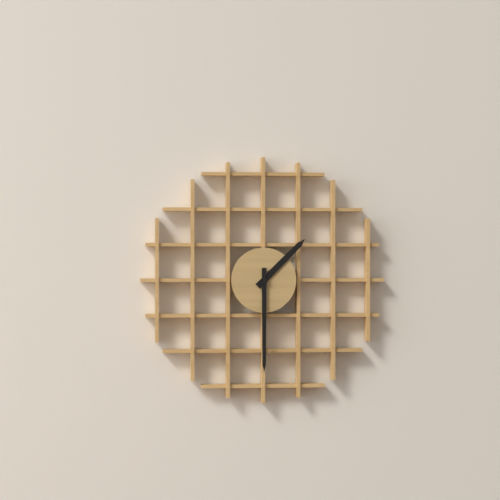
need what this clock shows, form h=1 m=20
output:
h=1 m=30
